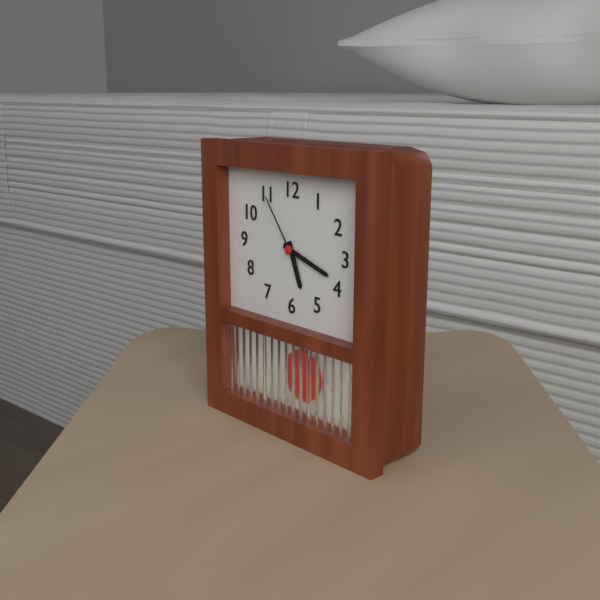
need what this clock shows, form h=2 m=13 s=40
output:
h=5 m=18 s=54
